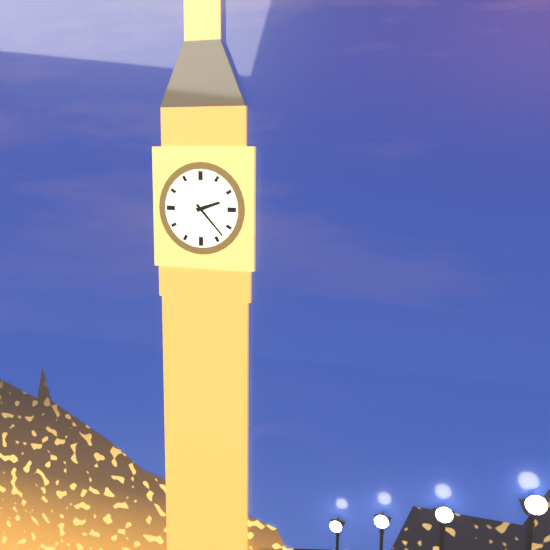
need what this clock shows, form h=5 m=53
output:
h=2 m=23
